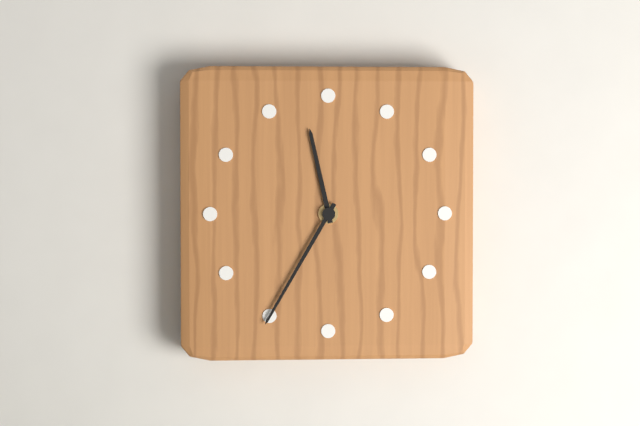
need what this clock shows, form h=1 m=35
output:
h=11 m=35
